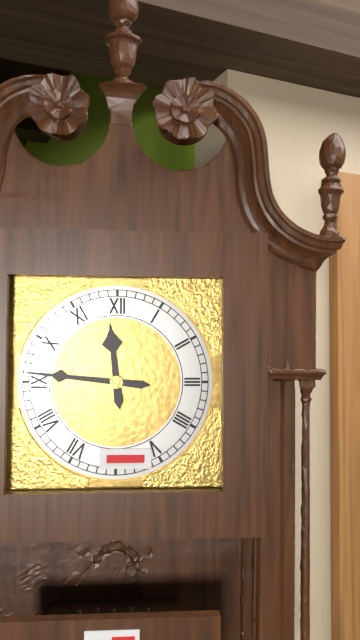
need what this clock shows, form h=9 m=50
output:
h=11 m=46
